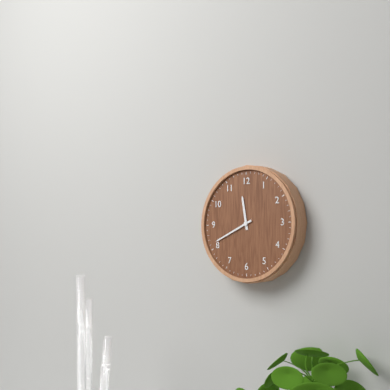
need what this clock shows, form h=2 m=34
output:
h=11 m=41
